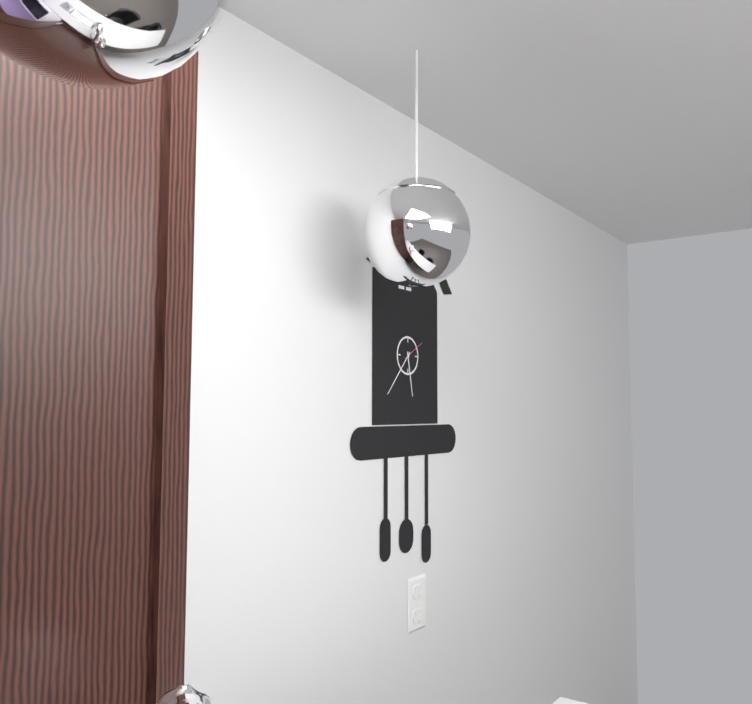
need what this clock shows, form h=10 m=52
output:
h=5 m=37
